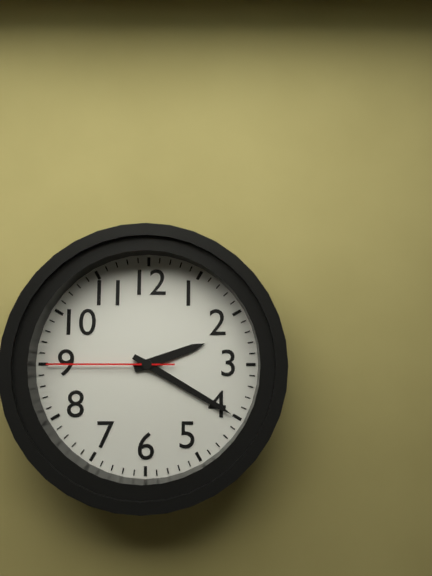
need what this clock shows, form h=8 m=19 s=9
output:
h=2 m=20 s=45
